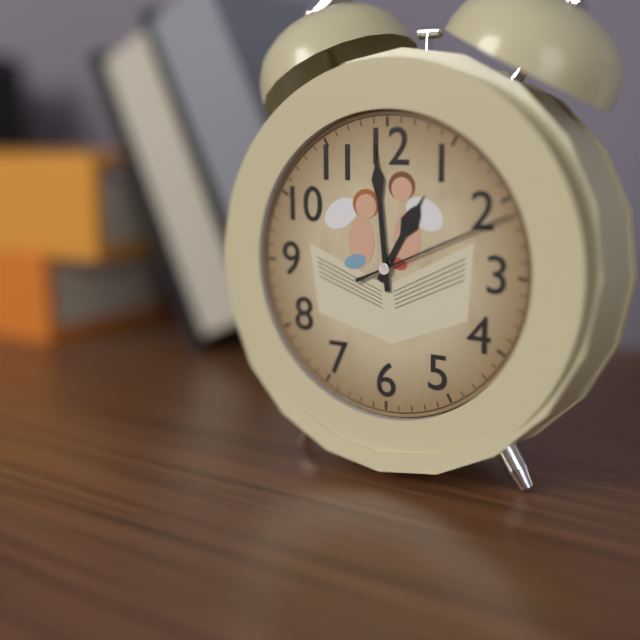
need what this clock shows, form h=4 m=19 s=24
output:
h=12 m=59 s=11
